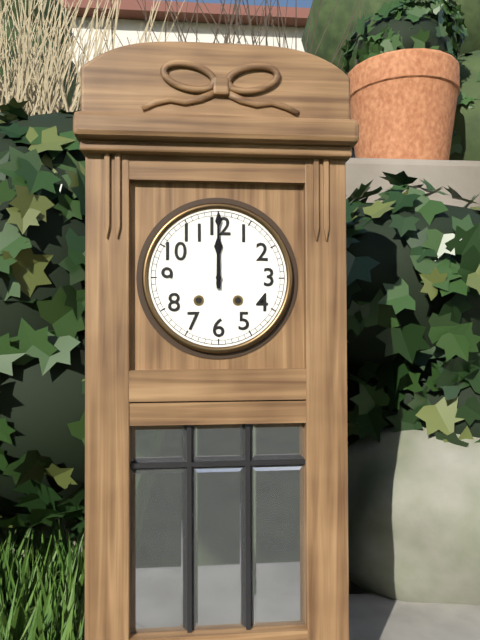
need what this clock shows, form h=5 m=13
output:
h=12 m=0
